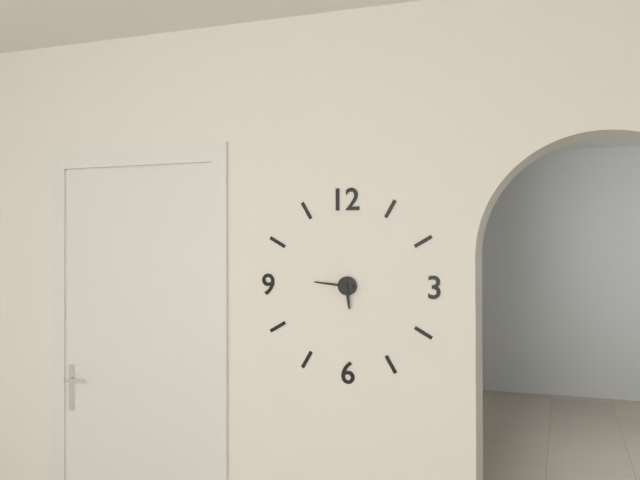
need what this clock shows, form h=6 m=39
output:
h=5 m=46
